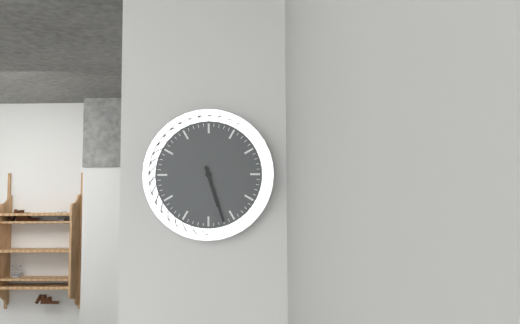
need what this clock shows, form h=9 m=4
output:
h=5 m=27
